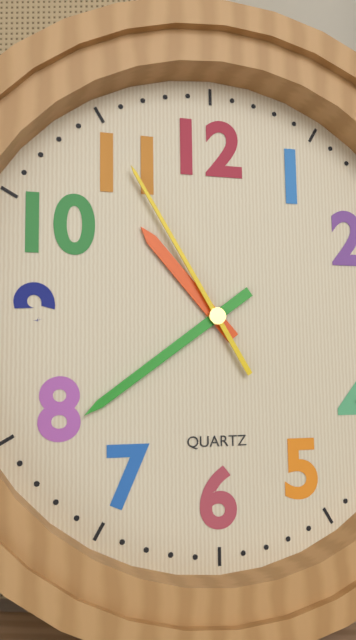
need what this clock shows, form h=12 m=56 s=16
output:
h=10 m=39 s=55
